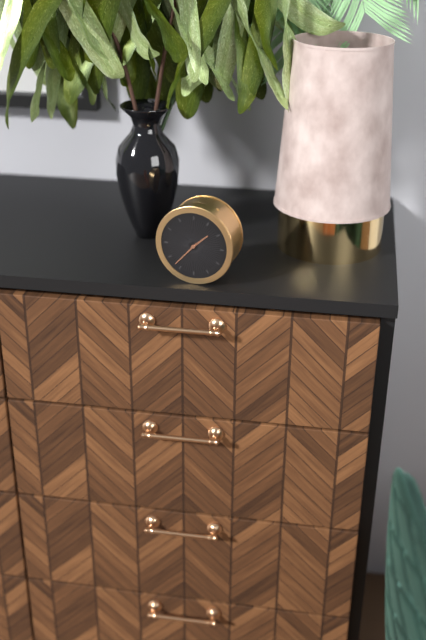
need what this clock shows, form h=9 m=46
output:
h=1 m=37
